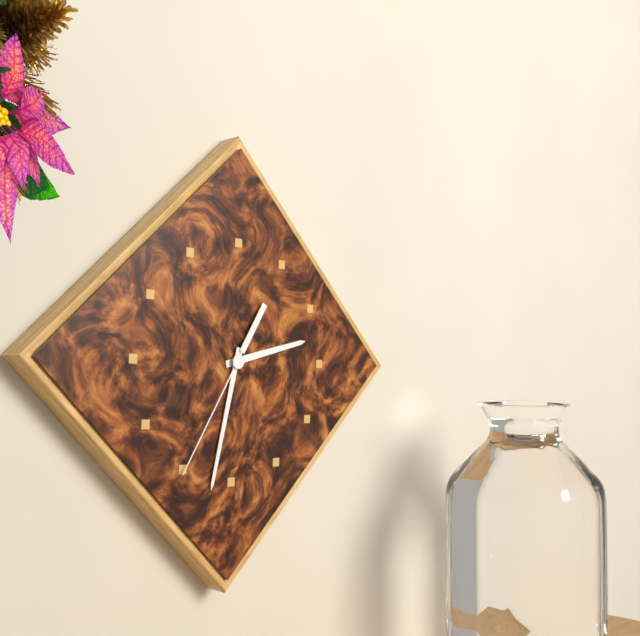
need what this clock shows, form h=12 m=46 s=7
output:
h=2 m=32 s=35
